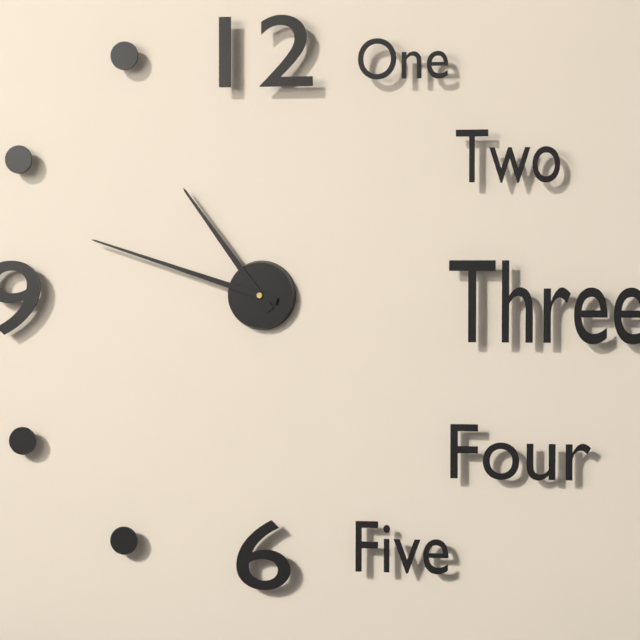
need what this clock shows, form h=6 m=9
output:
h=10 m=48
